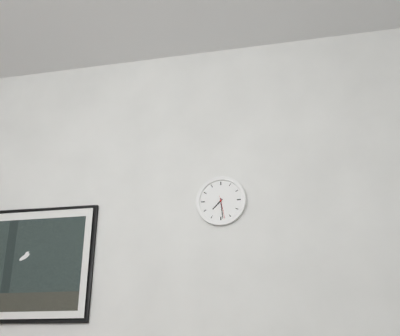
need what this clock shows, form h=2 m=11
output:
h=7 m=29
